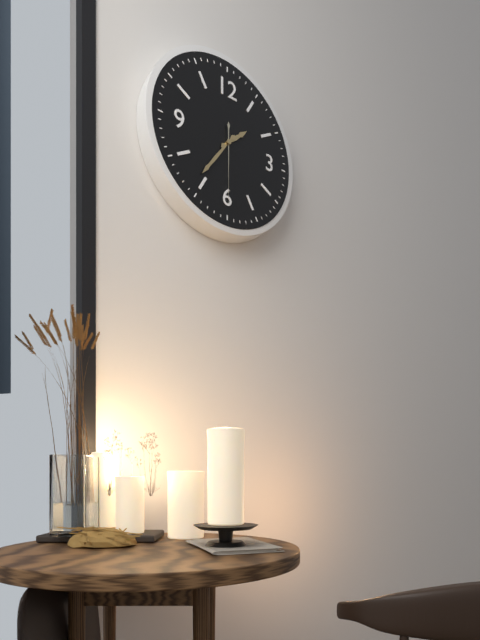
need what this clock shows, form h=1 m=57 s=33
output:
h=1 m=36 s=30
